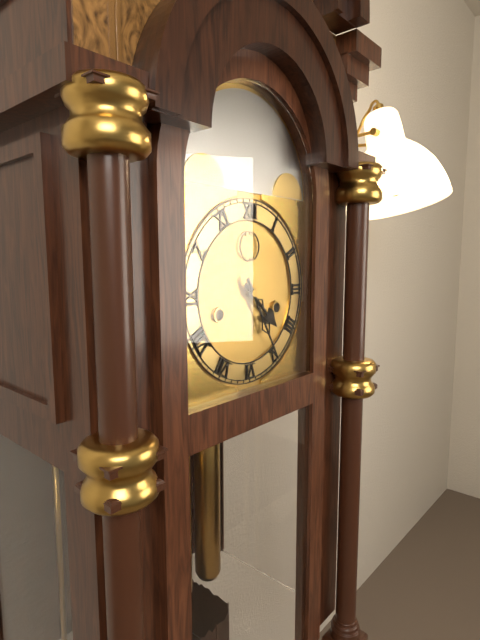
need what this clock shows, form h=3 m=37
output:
h=4 m=25
